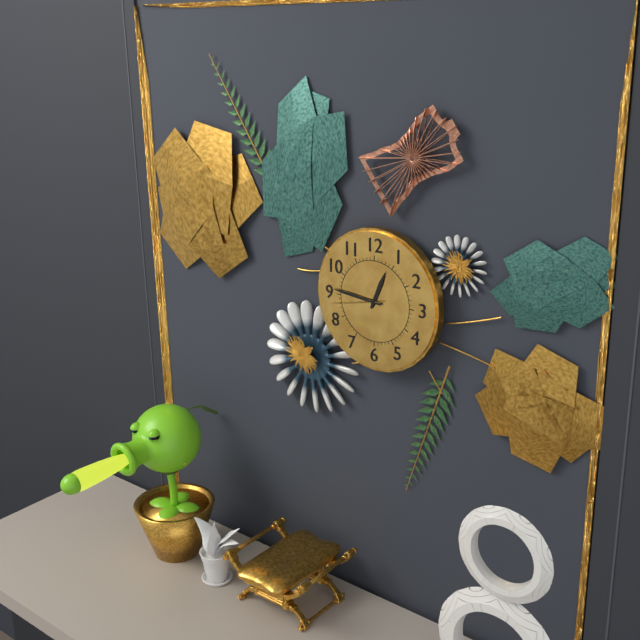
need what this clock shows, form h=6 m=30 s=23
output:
h=12 m=46 s=43
